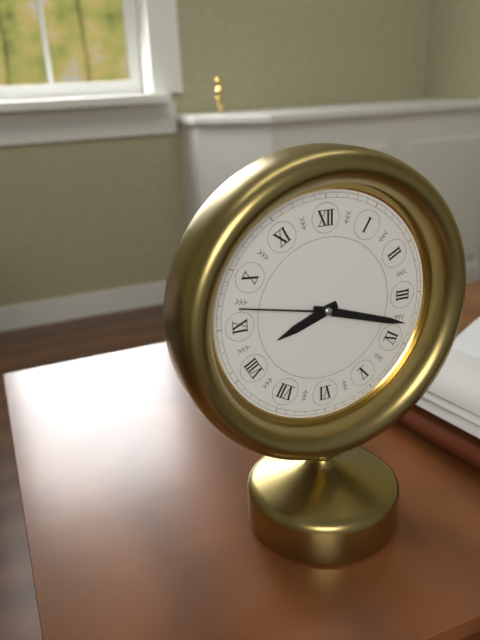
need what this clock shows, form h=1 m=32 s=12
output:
h=8 m=18 s=47
